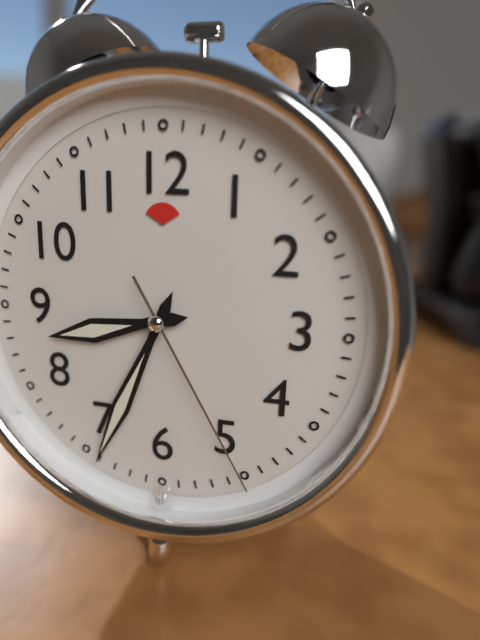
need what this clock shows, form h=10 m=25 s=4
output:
h=8 m=34 s=25
